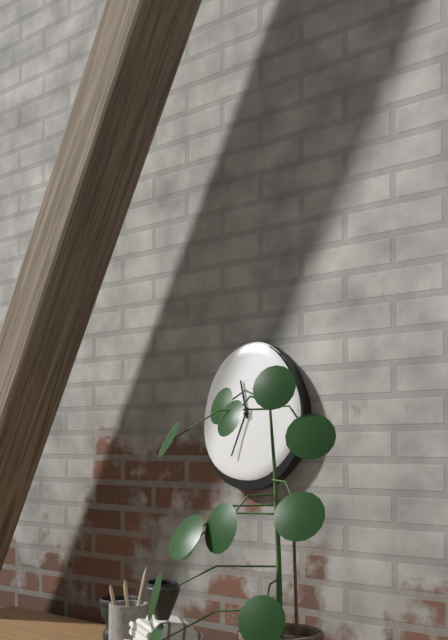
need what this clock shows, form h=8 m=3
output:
h=11 m=34
